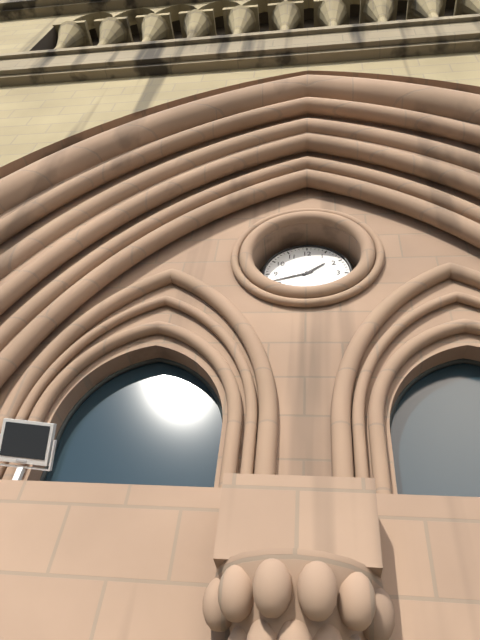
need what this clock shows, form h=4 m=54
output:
h=1 m=42
